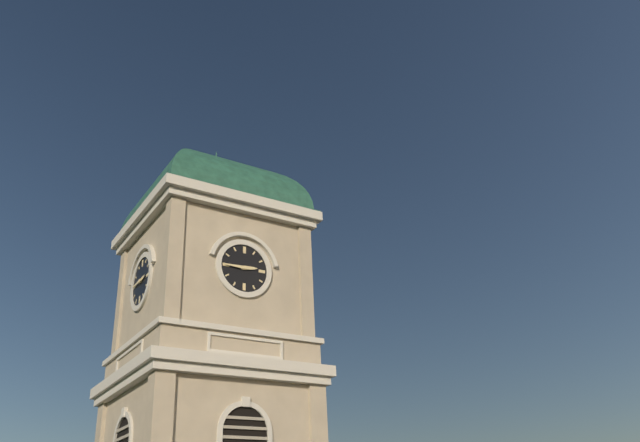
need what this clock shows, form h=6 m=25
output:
h=2 m=45
